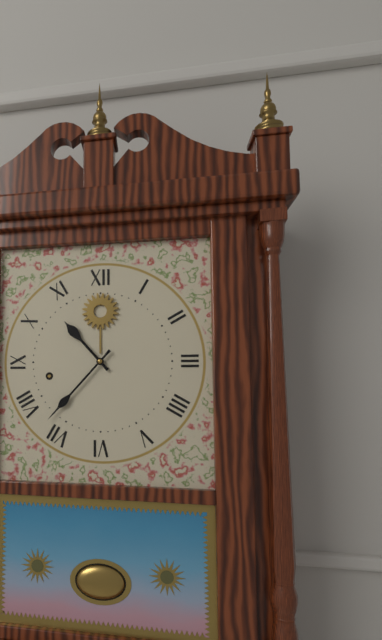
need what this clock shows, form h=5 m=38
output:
h=10 m=37
